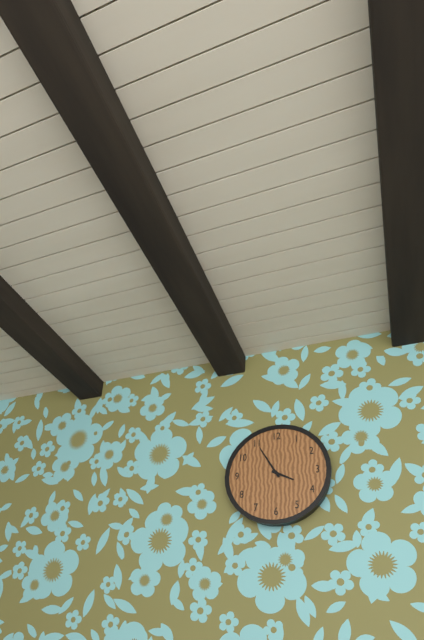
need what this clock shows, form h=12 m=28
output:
h=3 m=55
